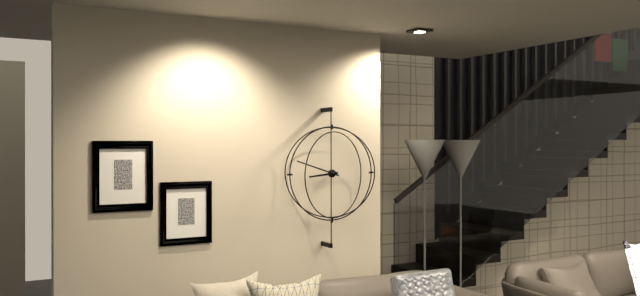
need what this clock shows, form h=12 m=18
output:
h=8 m=48
